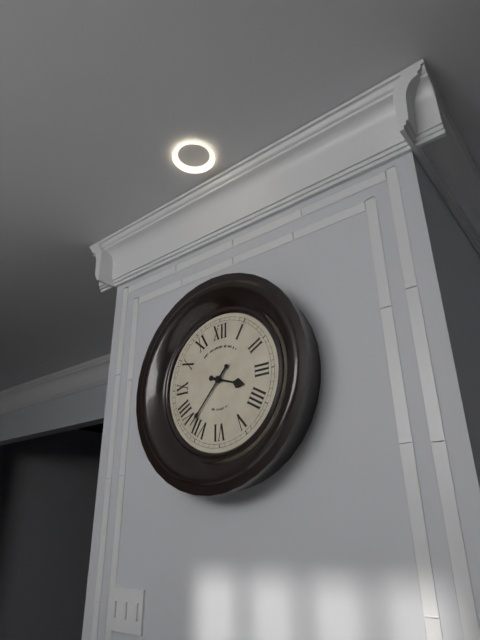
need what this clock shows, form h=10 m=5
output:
h=3 m=37
